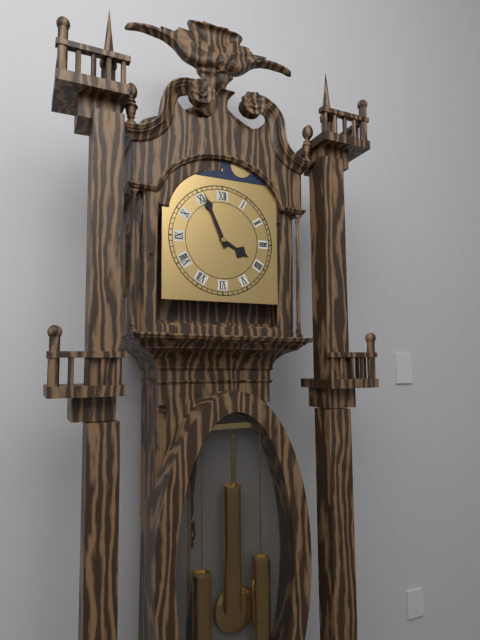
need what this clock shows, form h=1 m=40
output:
h=3 m=56
